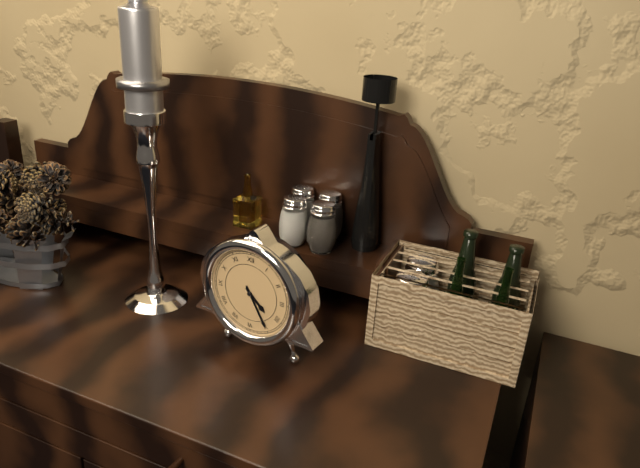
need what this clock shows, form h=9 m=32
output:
h=4 m=25
